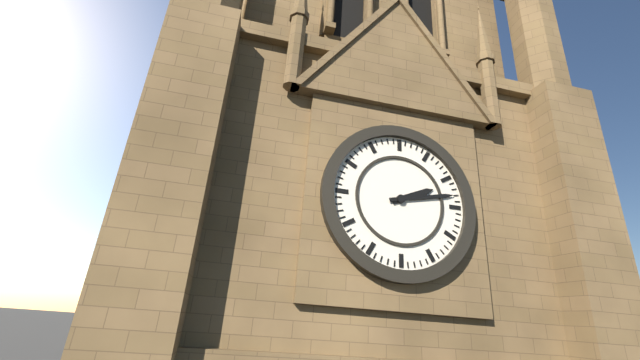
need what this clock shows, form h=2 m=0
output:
h=2 m=13
